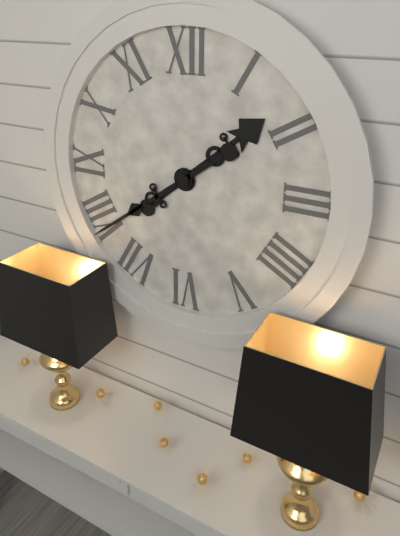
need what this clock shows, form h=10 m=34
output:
h=1 m=39
